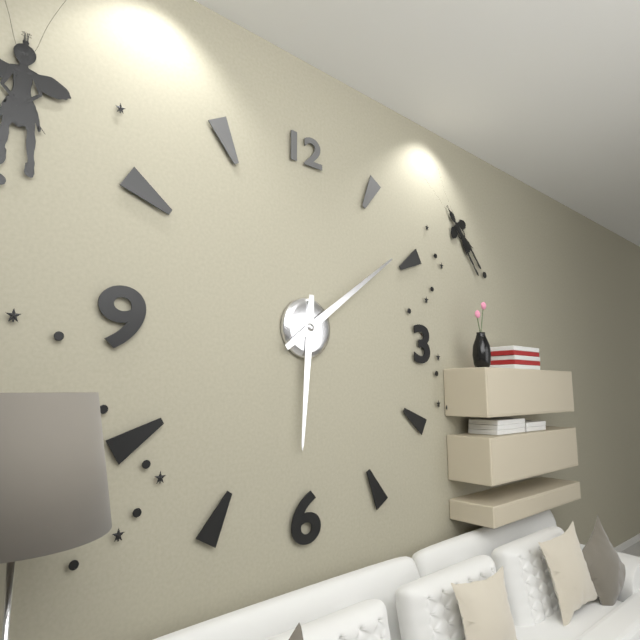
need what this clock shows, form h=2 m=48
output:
h=6 m=9
